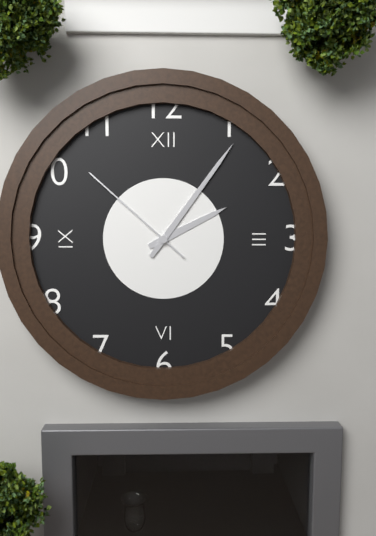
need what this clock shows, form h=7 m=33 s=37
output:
h=2 m=6 s=52
